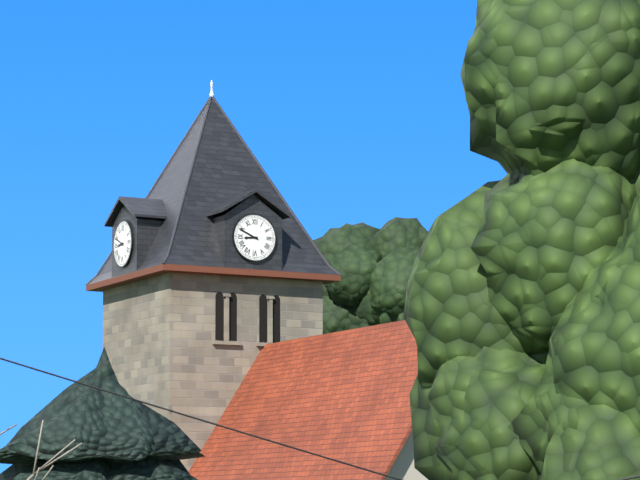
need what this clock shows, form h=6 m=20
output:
h=8 m=49
